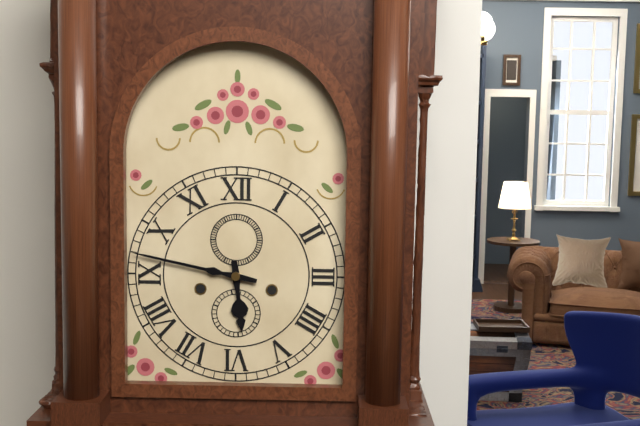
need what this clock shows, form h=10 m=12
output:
h=5 m=47
